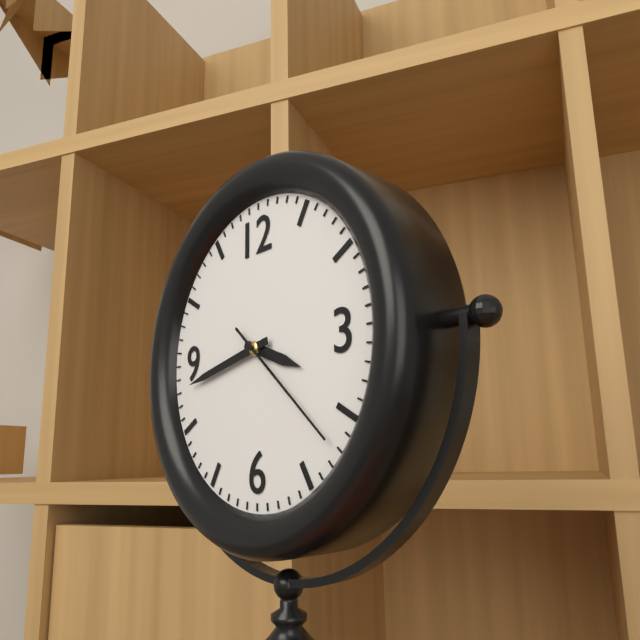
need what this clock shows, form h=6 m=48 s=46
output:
h=3 m=43 s=22
